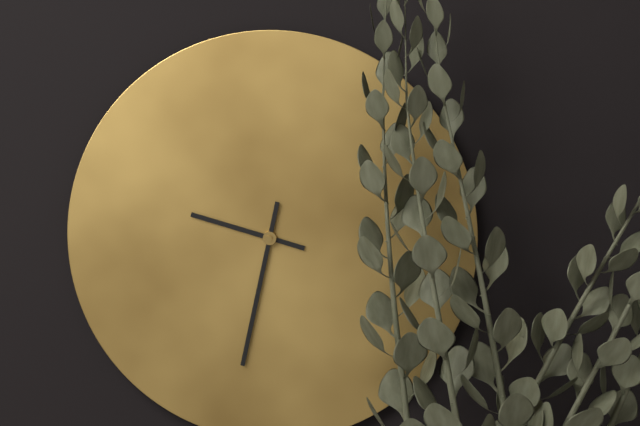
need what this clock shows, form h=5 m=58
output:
h=9 m=32
